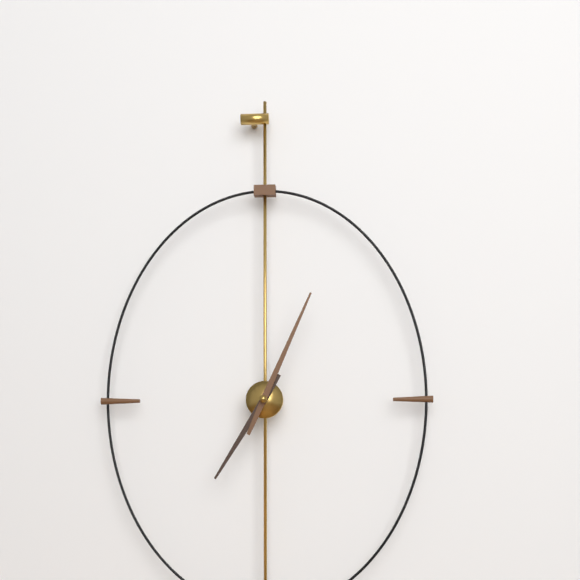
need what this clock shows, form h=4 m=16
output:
h=7 m=4
